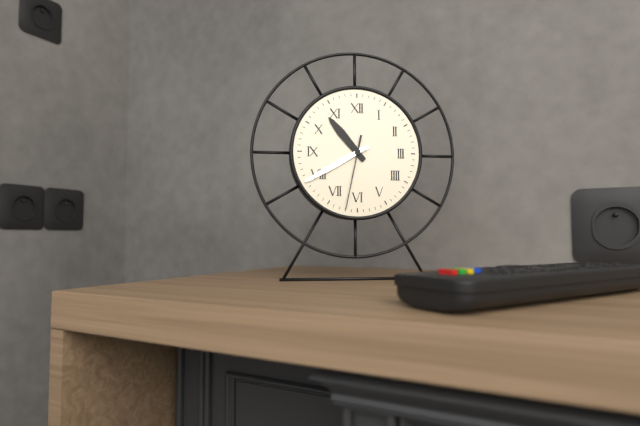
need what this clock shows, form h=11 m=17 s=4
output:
h=10 m=40 s=32
